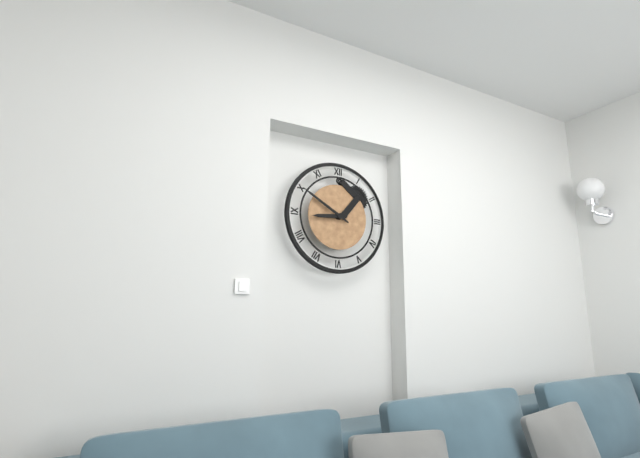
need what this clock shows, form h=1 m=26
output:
h=8 m=50
